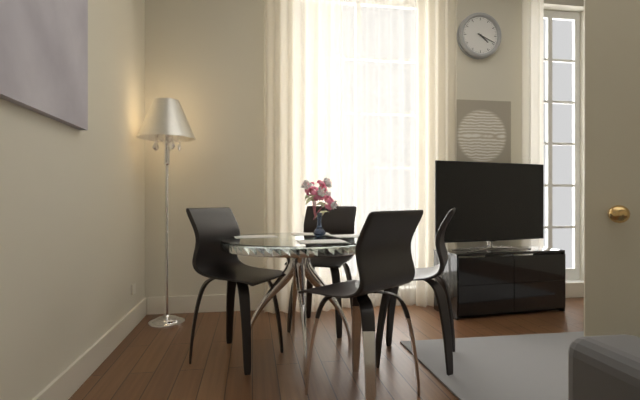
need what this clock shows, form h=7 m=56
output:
h=4 m=19
